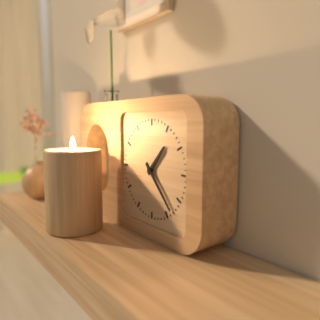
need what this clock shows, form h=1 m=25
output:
h=1 m=23
